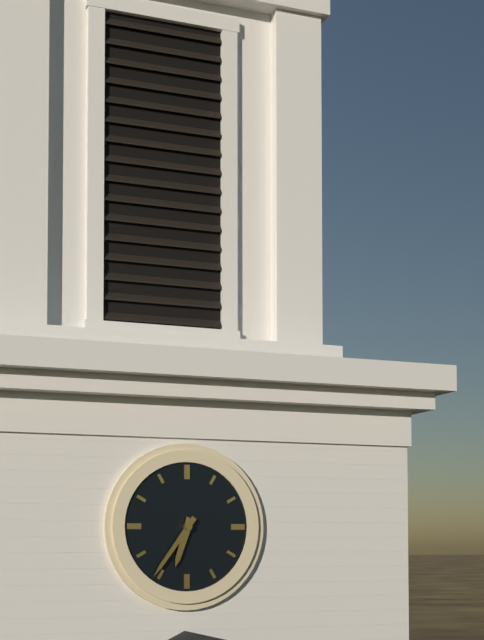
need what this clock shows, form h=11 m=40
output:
h=6 m=36
